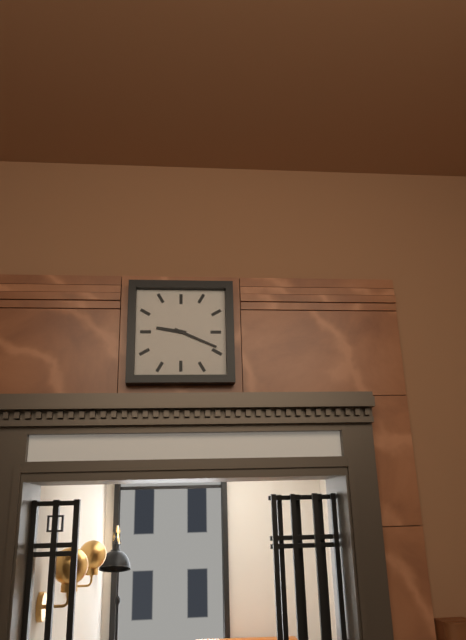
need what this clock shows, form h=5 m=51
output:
h=9 m=19
